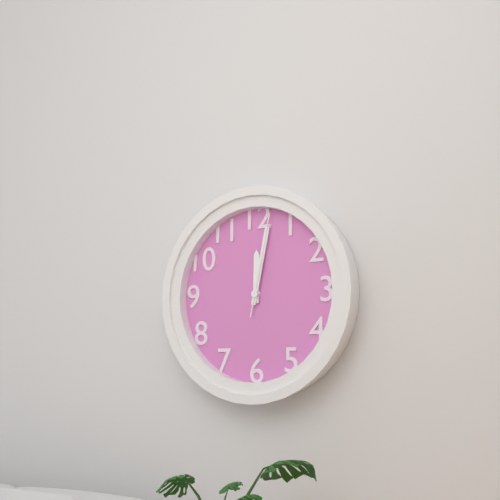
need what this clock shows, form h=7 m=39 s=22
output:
h=12 m=2 s=2
